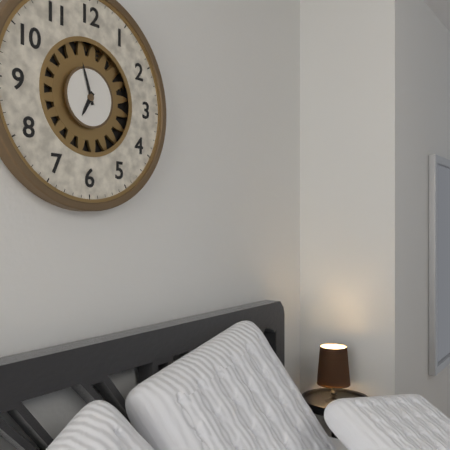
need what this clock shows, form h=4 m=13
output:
h=6 m=57
